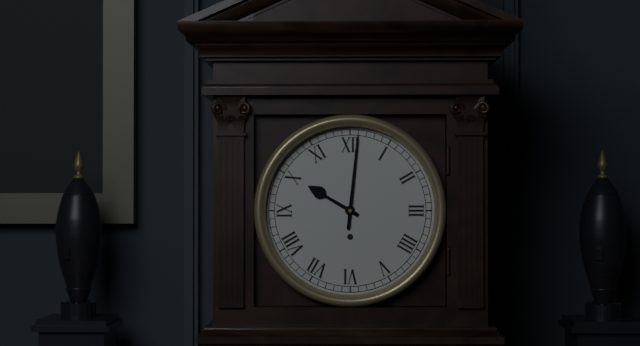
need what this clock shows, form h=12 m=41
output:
h=10 m=1
